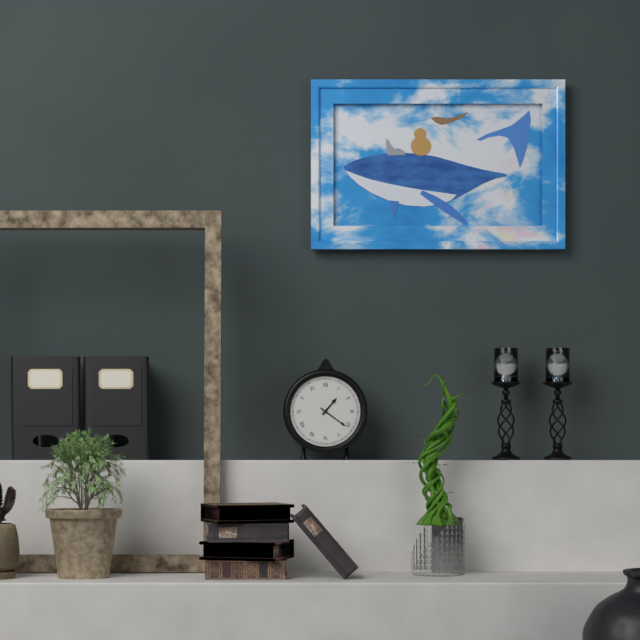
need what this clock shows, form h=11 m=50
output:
h=1 m=21
